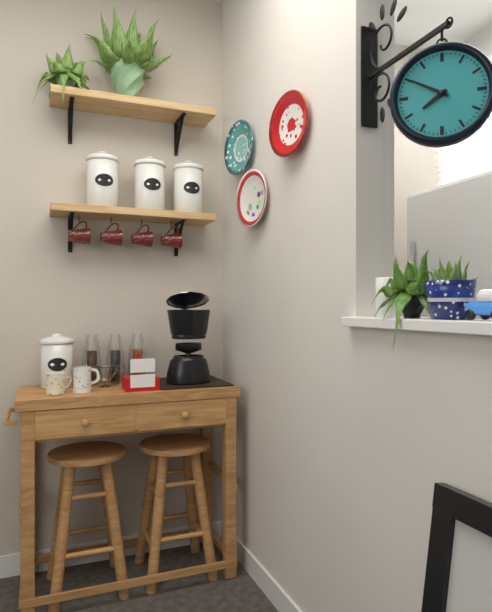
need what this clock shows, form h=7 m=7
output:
h=7 m=50
